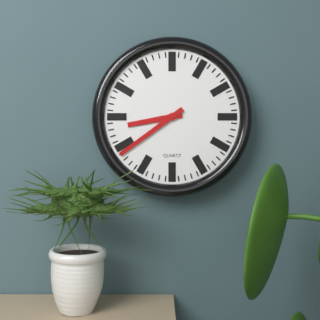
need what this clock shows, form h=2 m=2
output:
h=8 m=39
